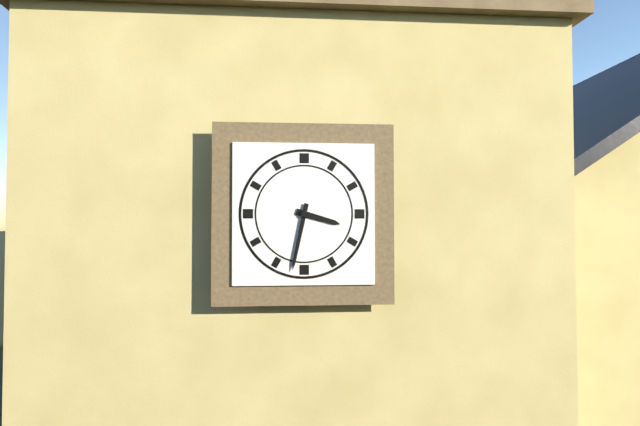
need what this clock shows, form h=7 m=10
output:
h=3 m=32
